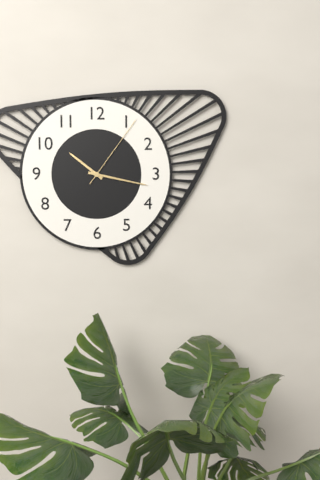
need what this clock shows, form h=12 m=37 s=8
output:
h=10 m=17 s=6
